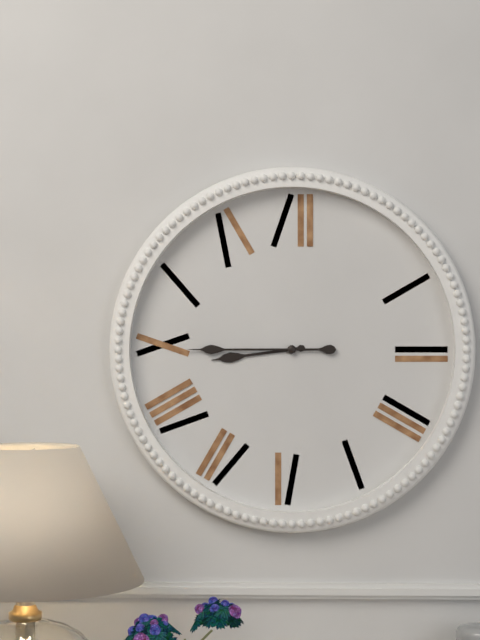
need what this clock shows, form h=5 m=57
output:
h=8 m=45
